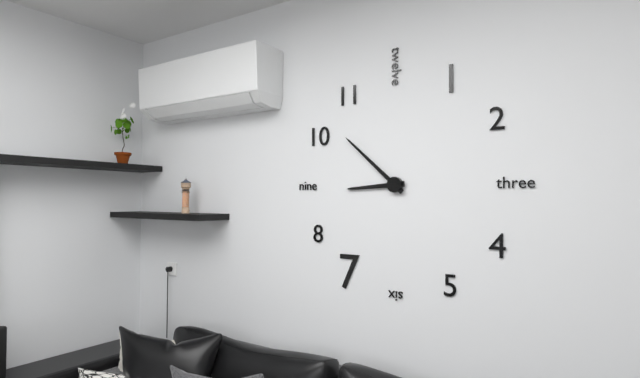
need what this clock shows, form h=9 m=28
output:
h=8 m=52
